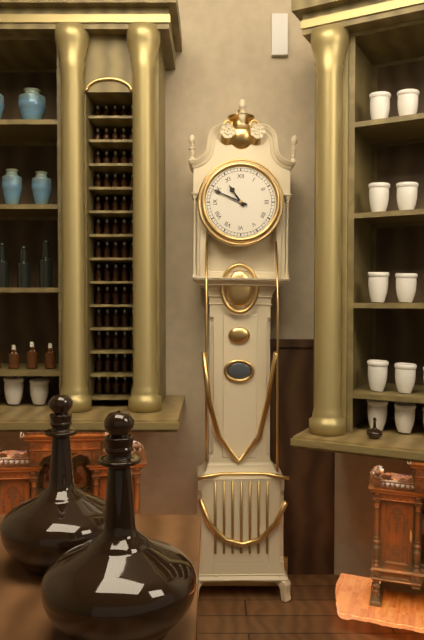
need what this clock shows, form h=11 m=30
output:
h=10 m=49
